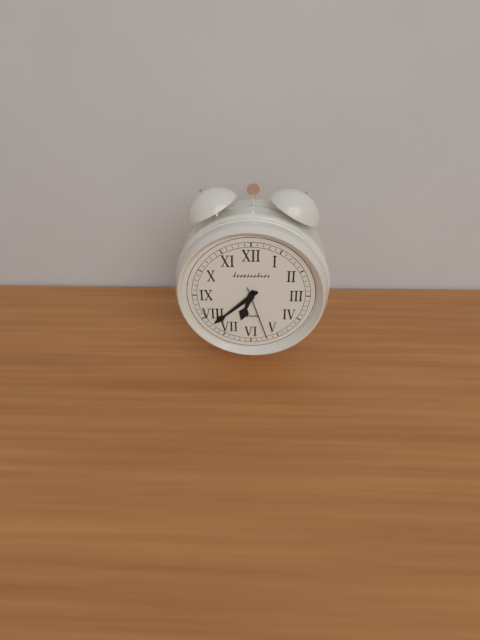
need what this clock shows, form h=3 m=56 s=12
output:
h=6 m=38 s=27
